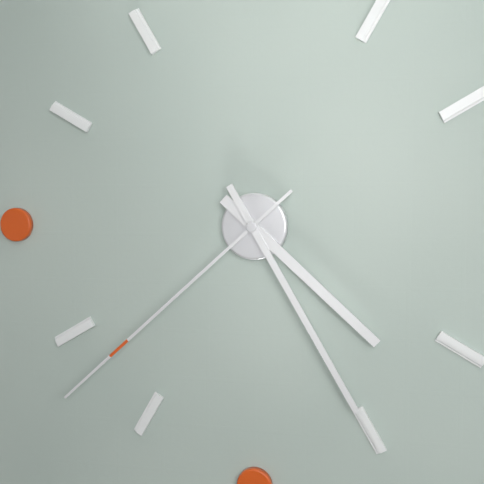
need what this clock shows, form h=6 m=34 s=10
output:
h=4 m=25 s=38
